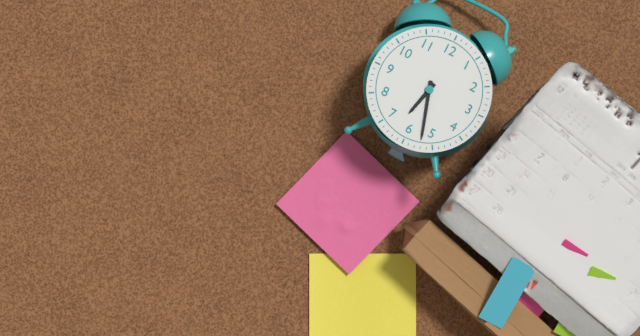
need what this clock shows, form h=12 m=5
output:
h=6 m=27
